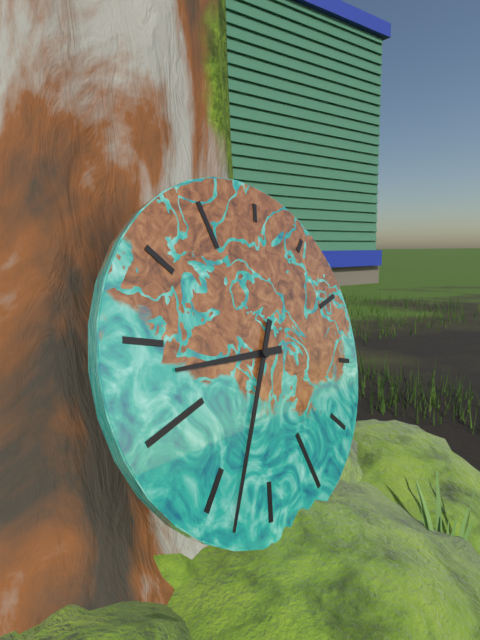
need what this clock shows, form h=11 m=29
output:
h=9 m=38
